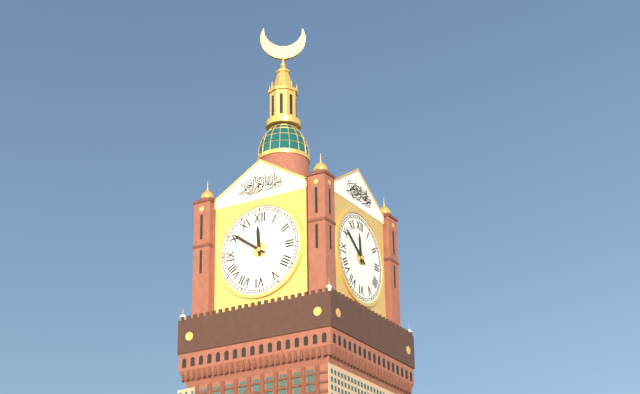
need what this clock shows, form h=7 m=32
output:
h=11 m=51
